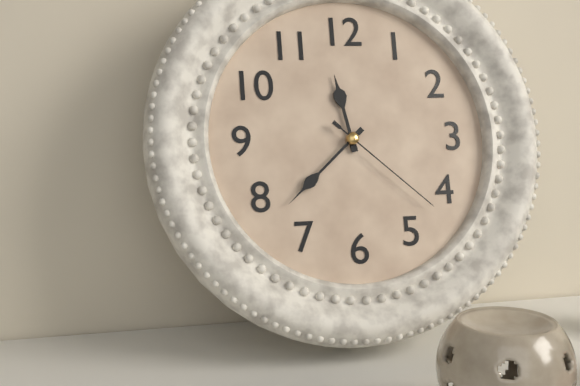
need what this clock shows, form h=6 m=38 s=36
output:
h=11 m=38 s=22
